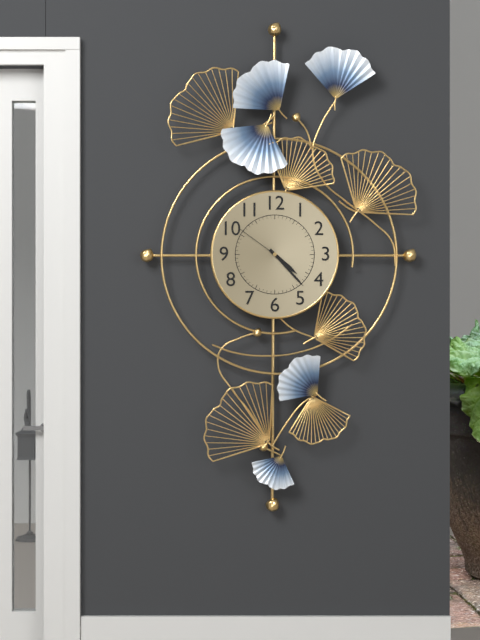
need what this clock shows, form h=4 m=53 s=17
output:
h=4 m=23 s=51
